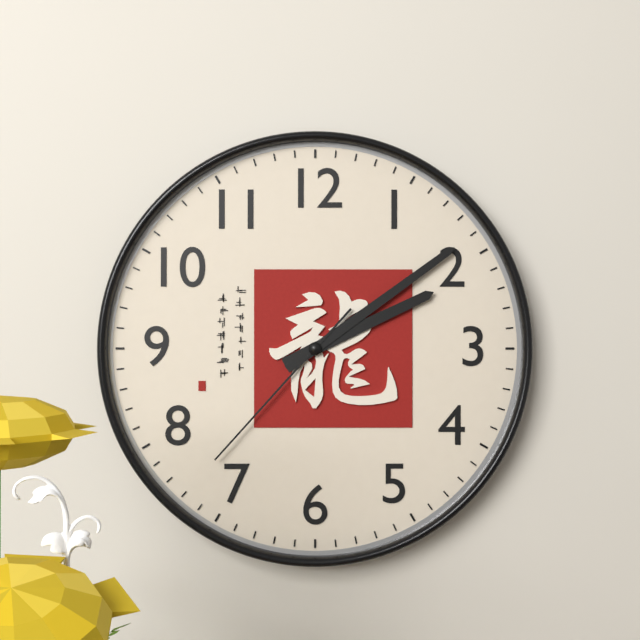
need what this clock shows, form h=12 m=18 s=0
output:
h=2 m=9 s=37
